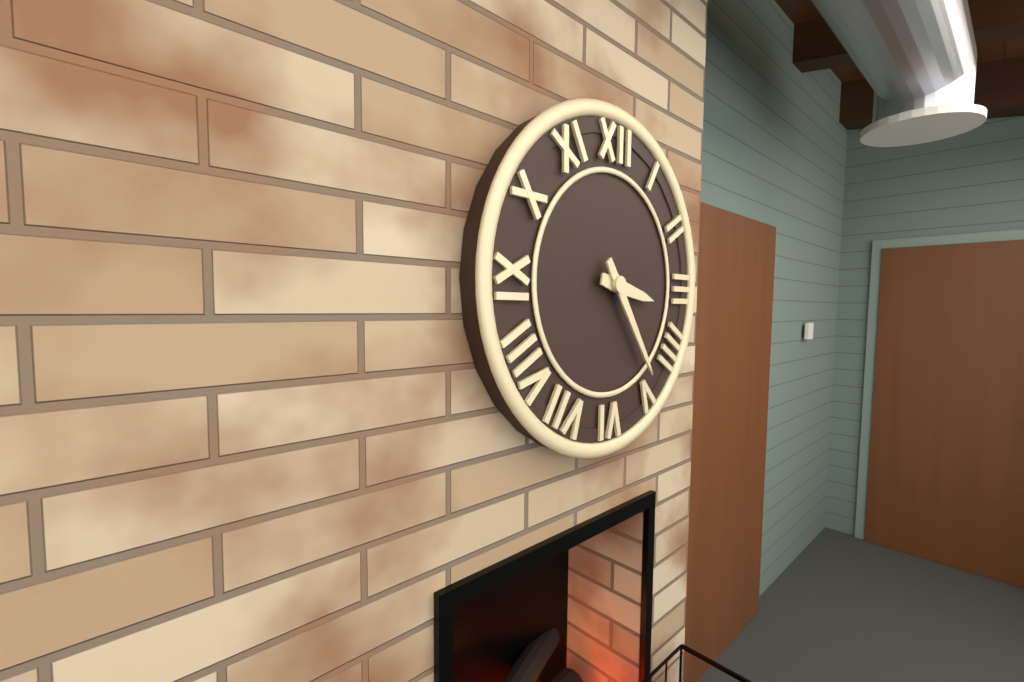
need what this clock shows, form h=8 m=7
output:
h=3 m=24
